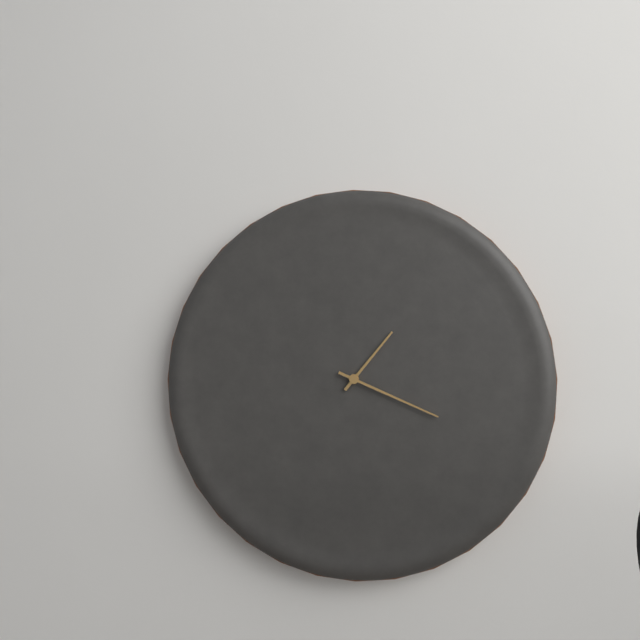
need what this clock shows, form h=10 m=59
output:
h=1 m=19
